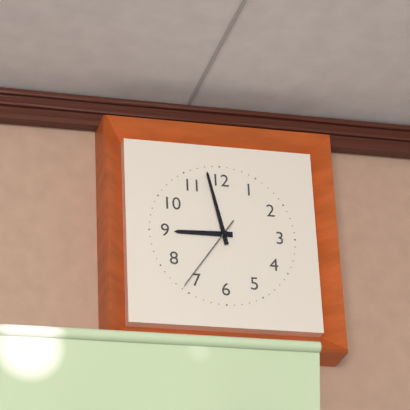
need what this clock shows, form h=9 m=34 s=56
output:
h=8 m=58 s=36
